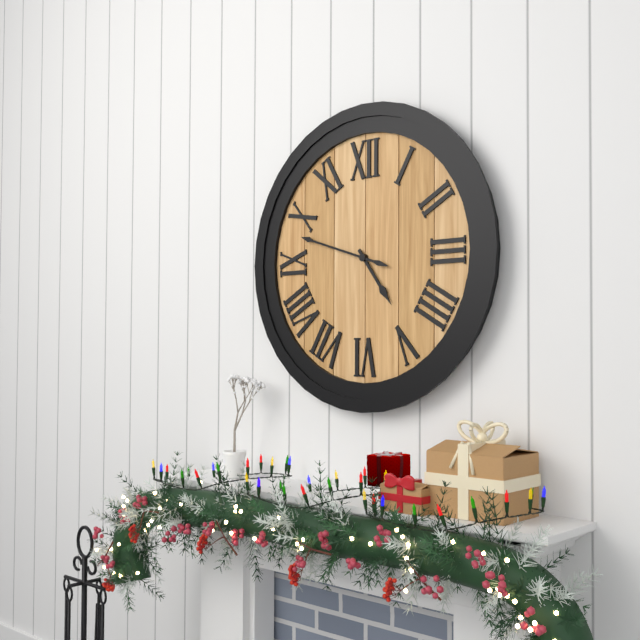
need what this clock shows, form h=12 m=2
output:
h=4 m=48
